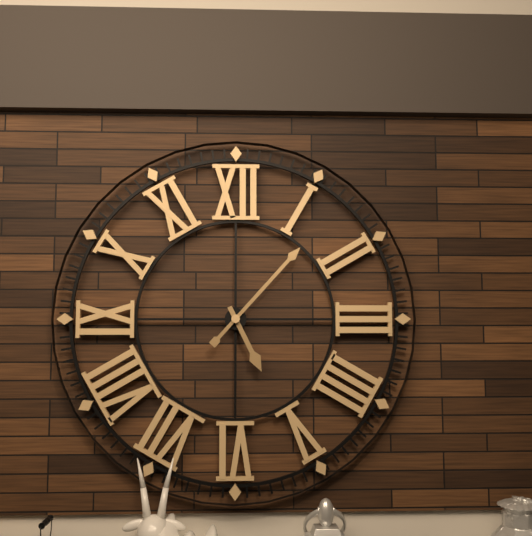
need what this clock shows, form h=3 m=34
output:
h=5 m=7
